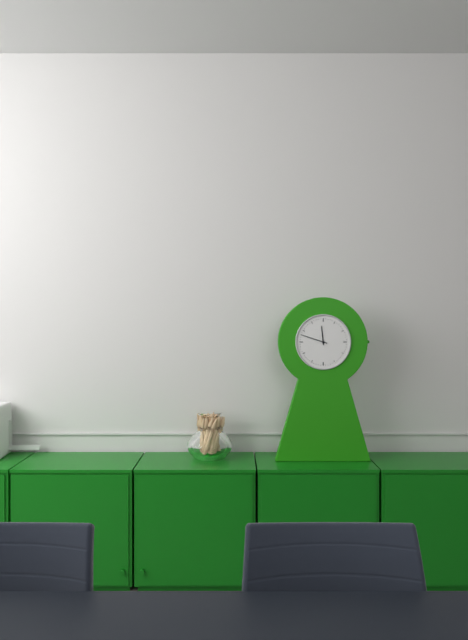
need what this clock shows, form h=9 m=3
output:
h=11 m=48
